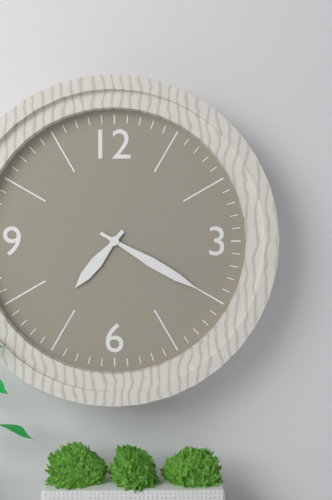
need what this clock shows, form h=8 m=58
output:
h=7 m=20
